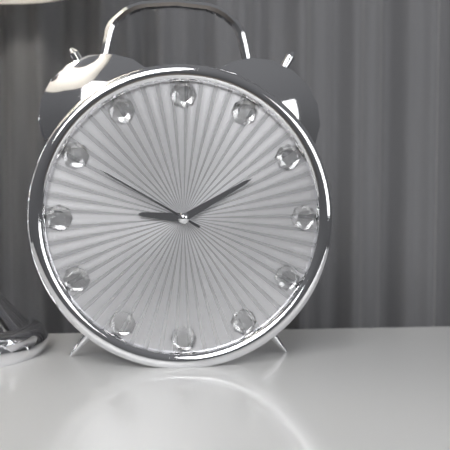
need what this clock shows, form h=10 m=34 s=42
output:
h=9 m=10 s=50
